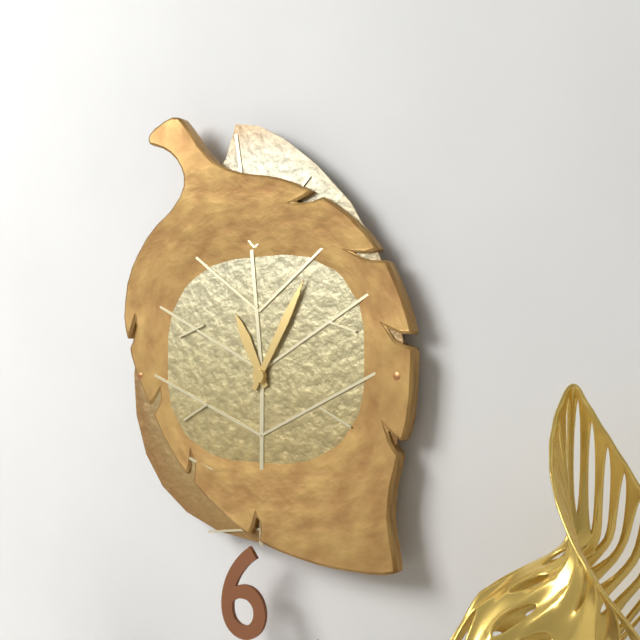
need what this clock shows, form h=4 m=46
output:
h=11 m=5
